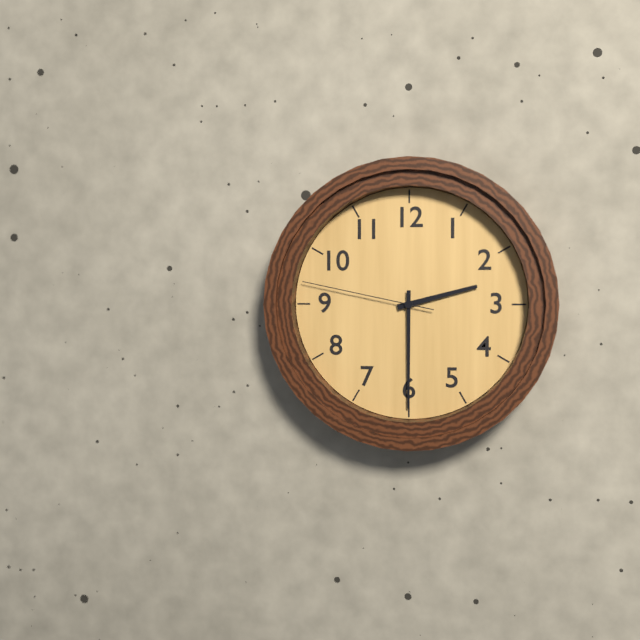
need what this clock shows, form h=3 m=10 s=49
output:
h=2 m=30 s=47
